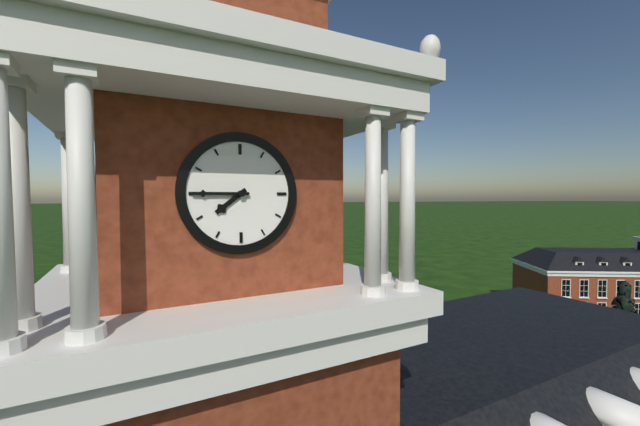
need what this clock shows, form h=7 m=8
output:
h=7 m=45
